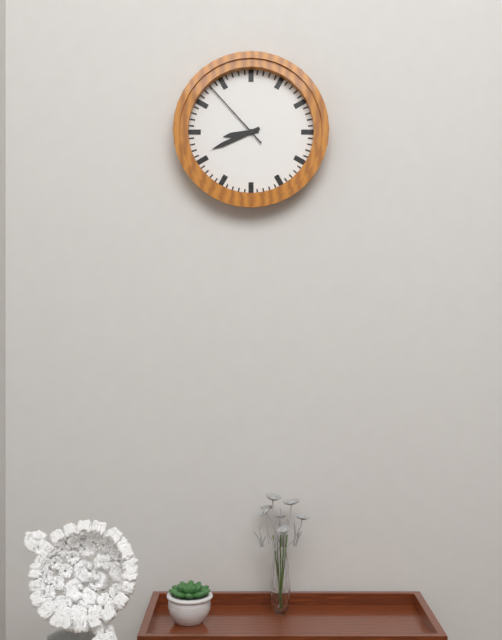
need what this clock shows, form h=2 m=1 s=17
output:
h=8 m=41 s=53
